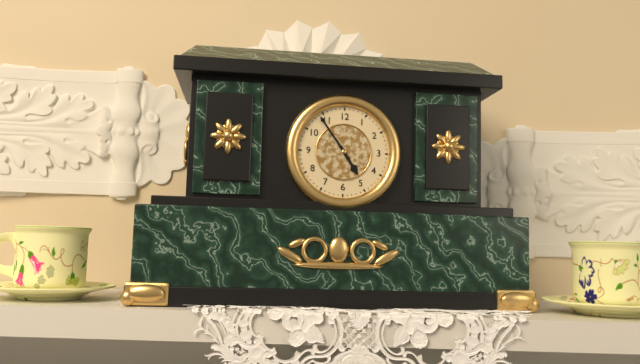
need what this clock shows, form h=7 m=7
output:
h=4 m=54
